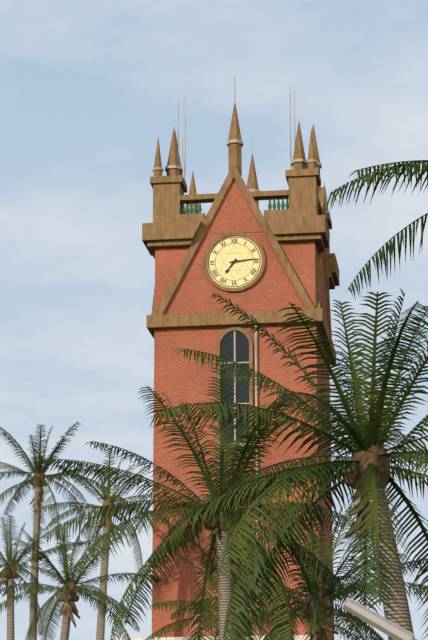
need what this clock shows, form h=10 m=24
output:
h=7 m=14
